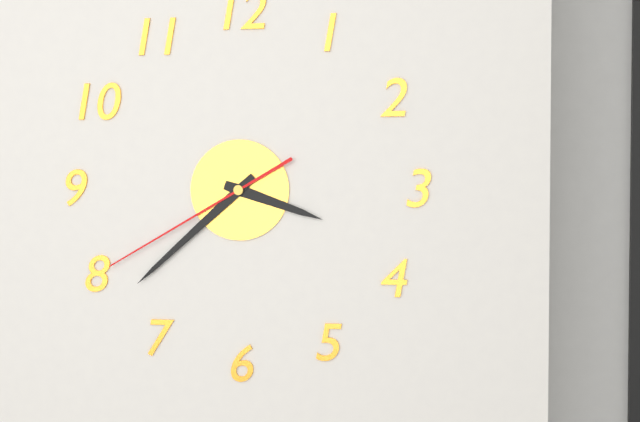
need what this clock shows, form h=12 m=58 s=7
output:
h=3 m=38 s=40
